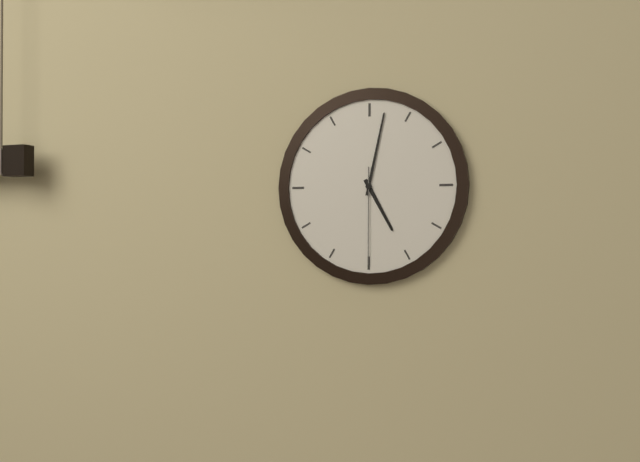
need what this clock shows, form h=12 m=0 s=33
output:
h=5 m=2 s=30
